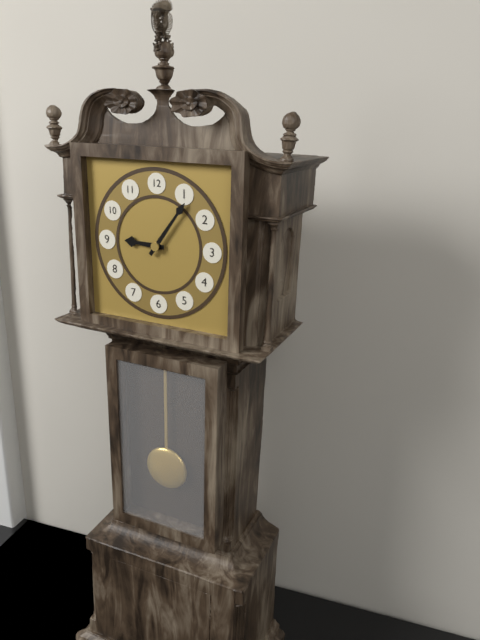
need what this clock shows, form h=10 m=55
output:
h=9 m=6
